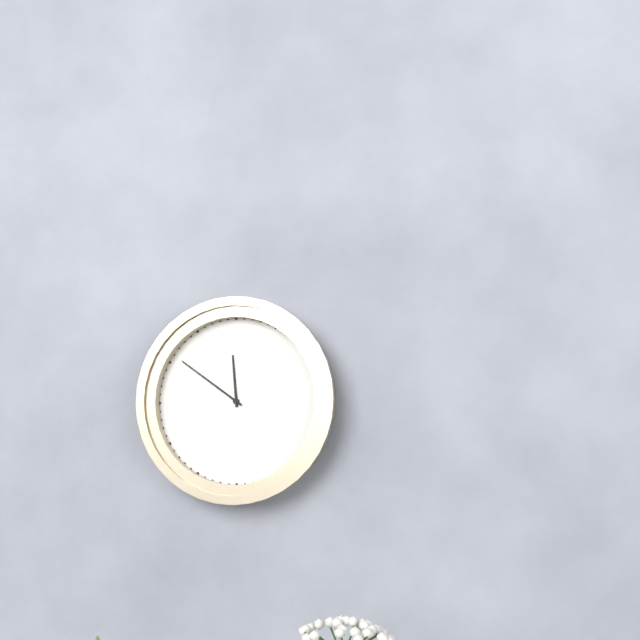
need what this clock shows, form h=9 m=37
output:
h=11 m=51
